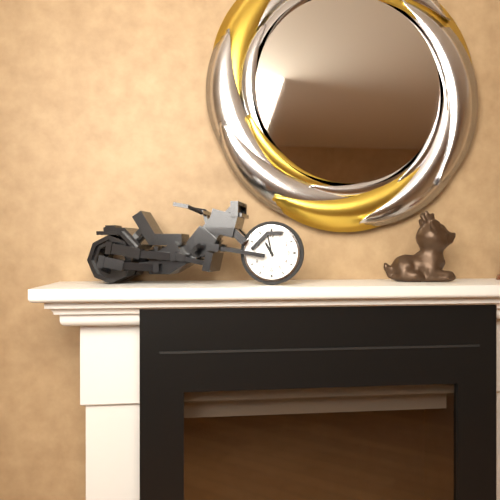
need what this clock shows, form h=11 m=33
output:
h=10 m=58
